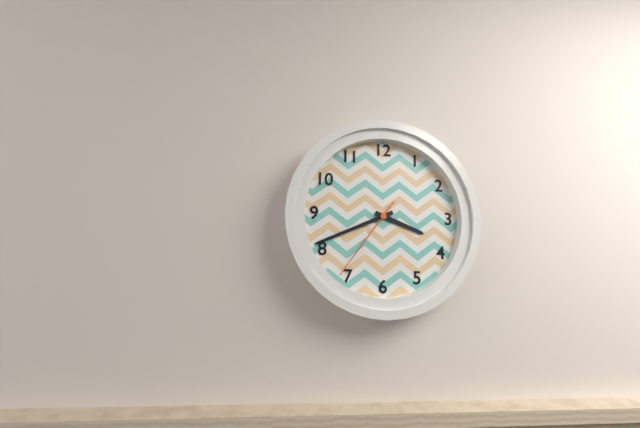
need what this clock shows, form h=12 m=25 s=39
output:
h=3 m=41 s=36
